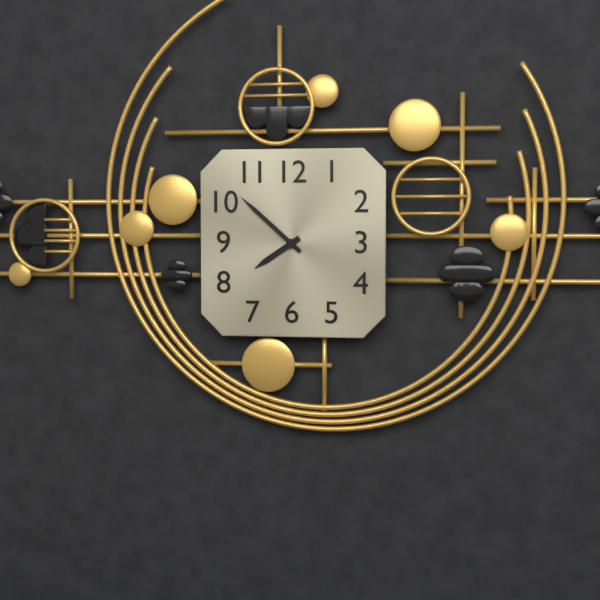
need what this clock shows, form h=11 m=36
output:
h=7 m=52
